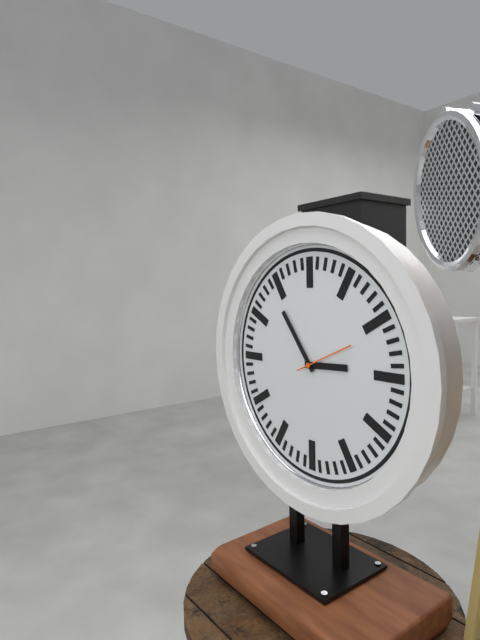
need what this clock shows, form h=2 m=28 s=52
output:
h=2 m=54 s=11
